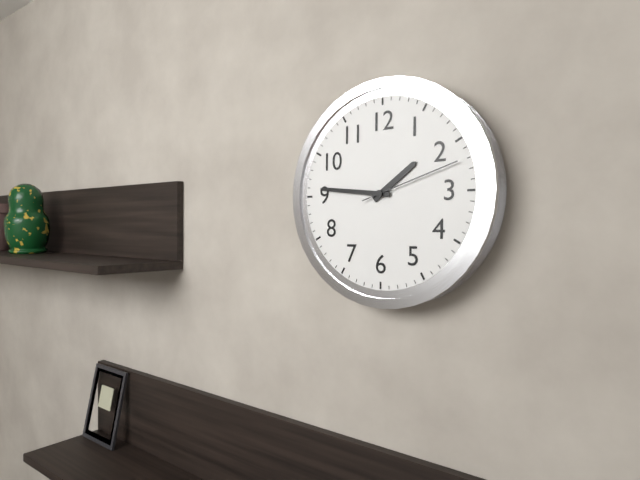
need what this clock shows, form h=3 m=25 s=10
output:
h=1 m=46 s=12
